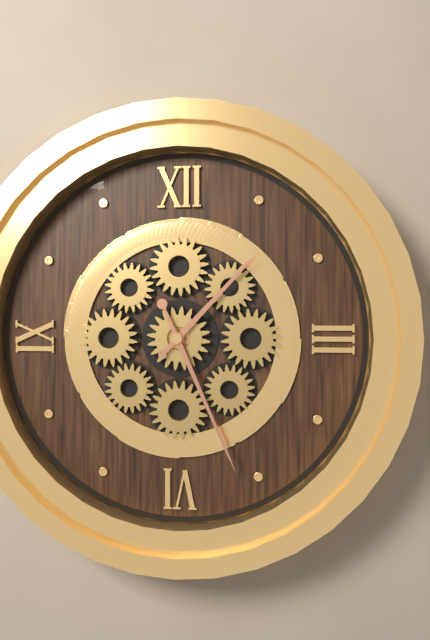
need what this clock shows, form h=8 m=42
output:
h=1 m=26
